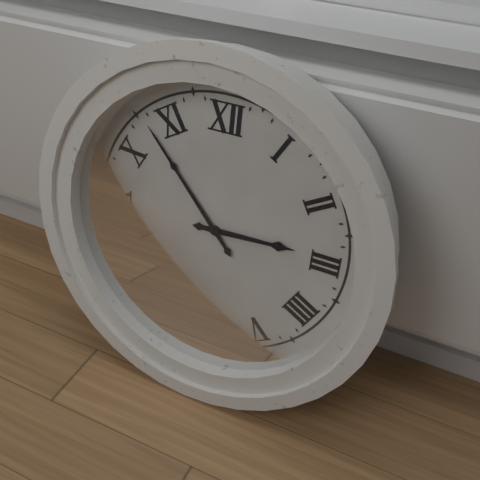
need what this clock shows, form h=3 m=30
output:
h=2 m=53
